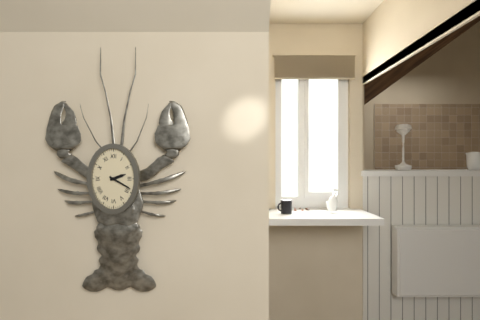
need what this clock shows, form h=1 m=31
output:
h=2 m=20
